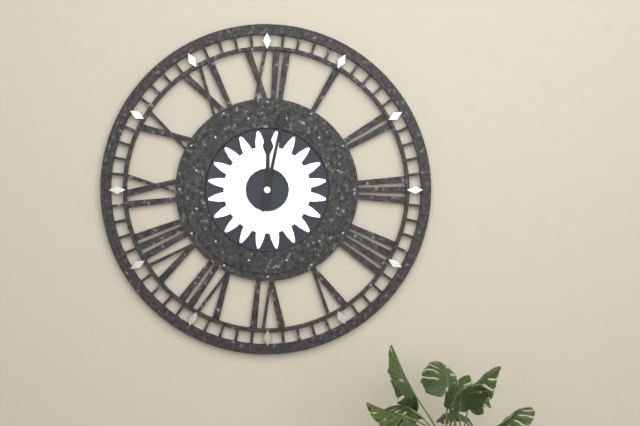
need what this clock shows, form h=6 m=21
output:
h=12 m=2
